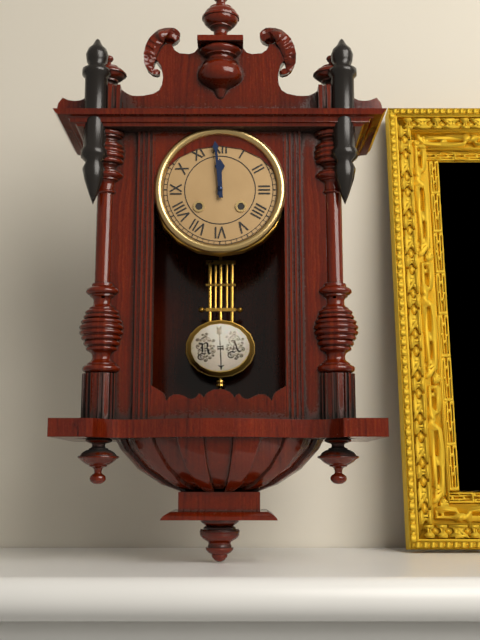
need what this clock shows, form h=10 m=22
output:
h=11 m=59
